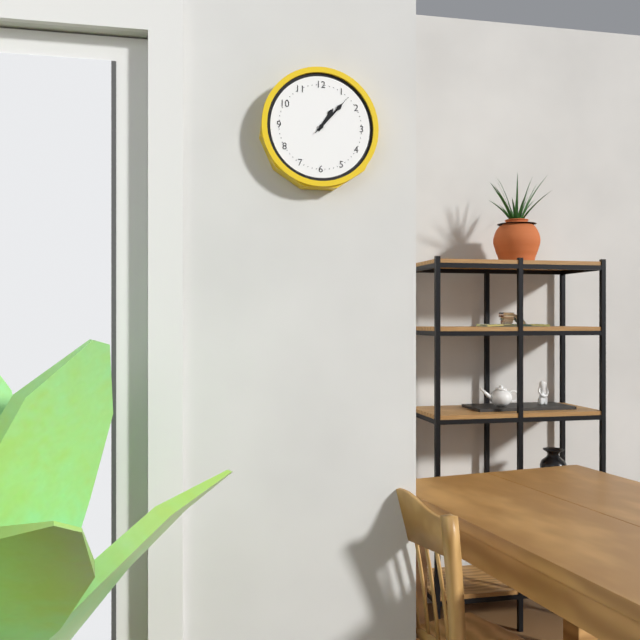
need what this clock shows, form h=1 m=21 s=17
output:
h=1 m=7 s=7
